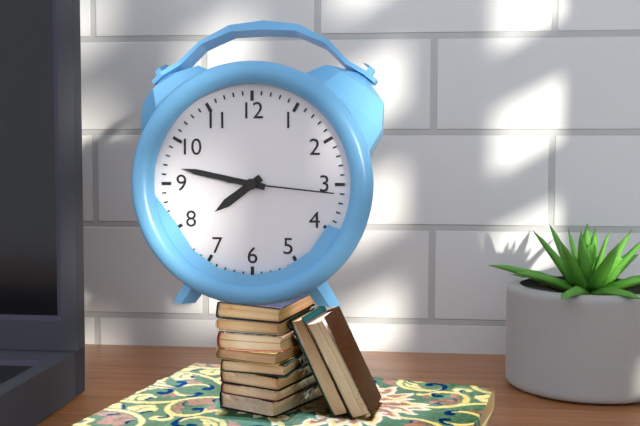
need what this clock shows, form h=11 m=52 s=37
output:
h=7 m=47 s=16
